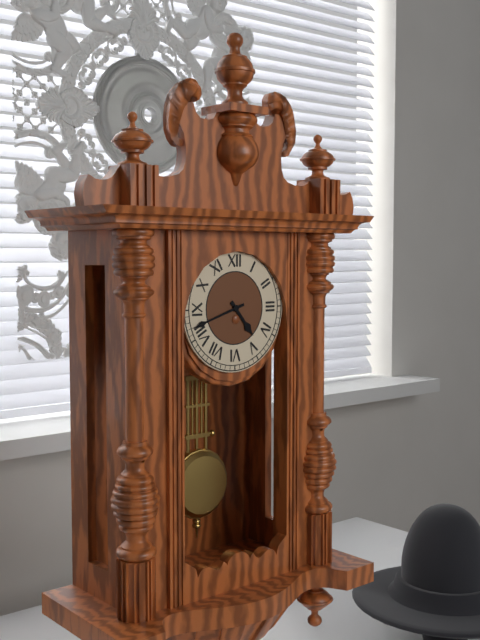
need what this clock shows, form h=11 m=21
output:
h=4 m=42
